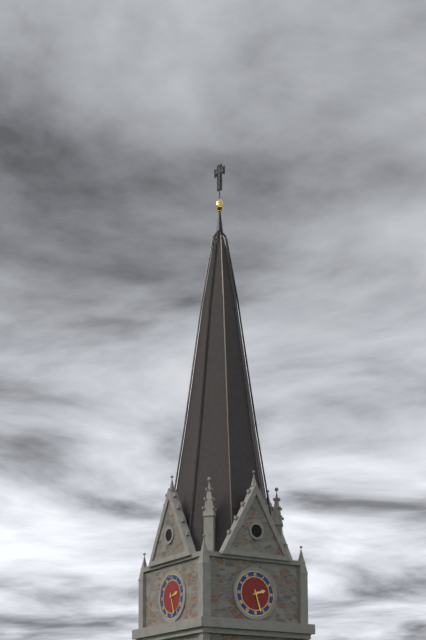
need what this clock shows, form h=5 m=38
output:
h=2 m=27
